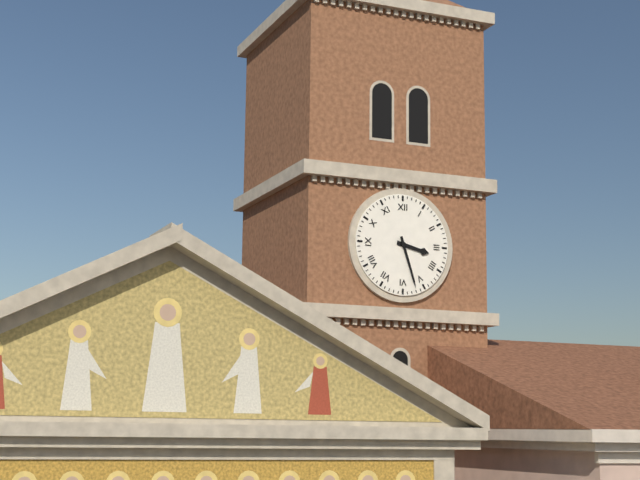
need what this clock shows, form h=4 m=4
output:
h=3 m=27
